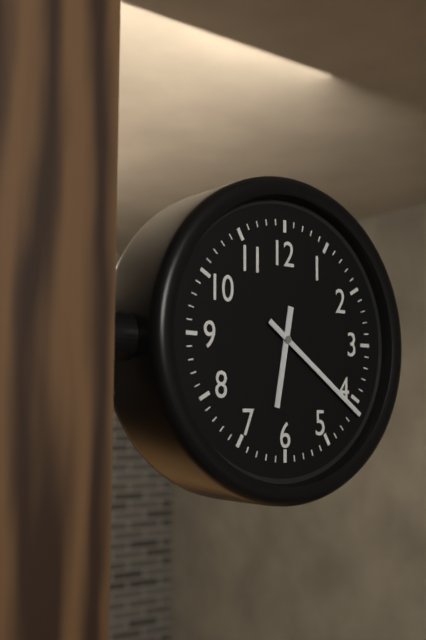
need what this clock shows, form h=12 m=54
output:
h=6 m=21
